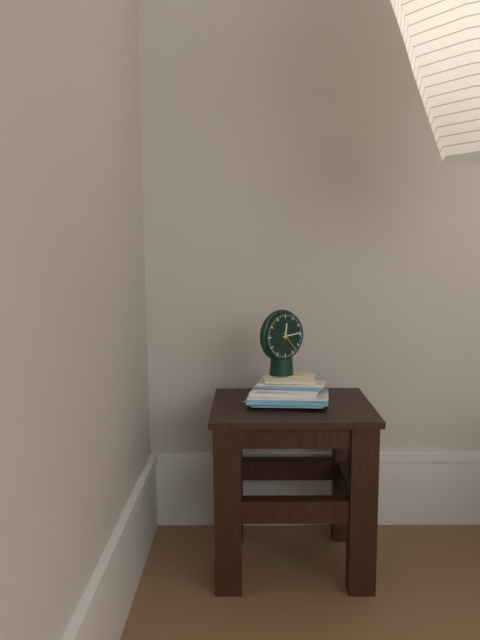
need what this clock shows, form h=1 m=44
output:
h=12 m=14
